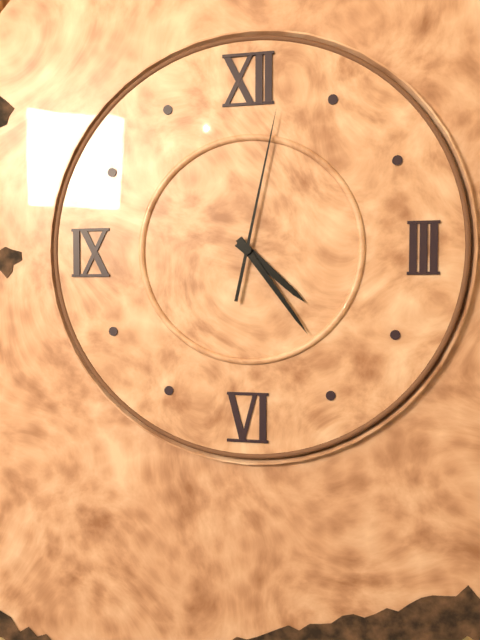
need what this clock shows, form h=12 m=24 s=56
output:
h=4 m=24 s=2
